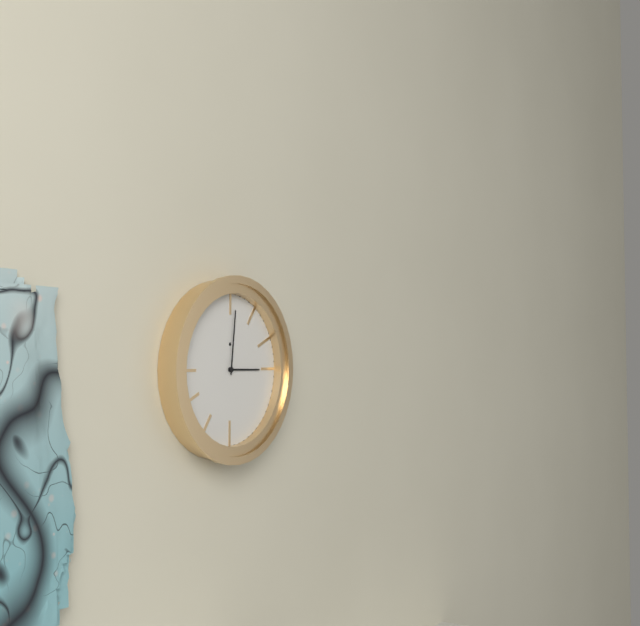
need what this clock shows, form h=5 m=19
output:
h=3 m=1
